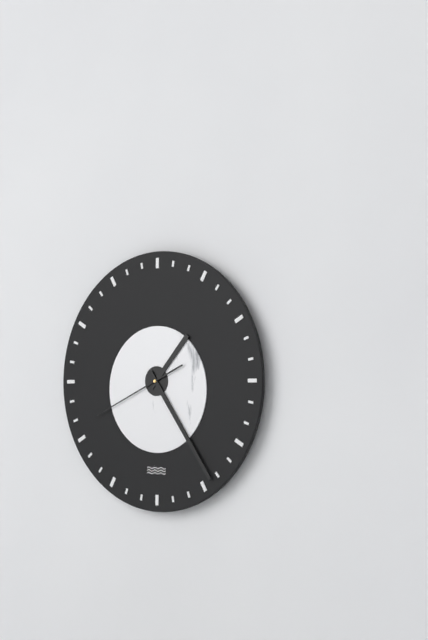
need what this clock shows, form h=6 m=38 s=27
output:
h=1 m=24 s=41
